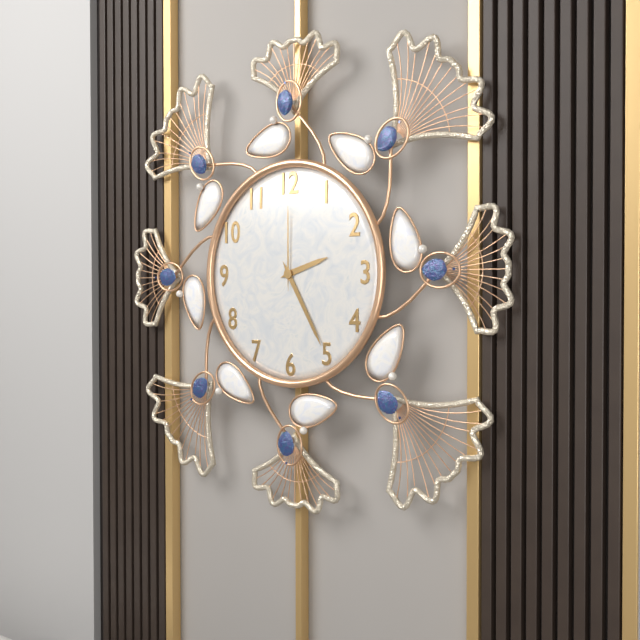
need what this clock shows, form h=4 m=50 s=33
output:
h=2 m=25 s=0
